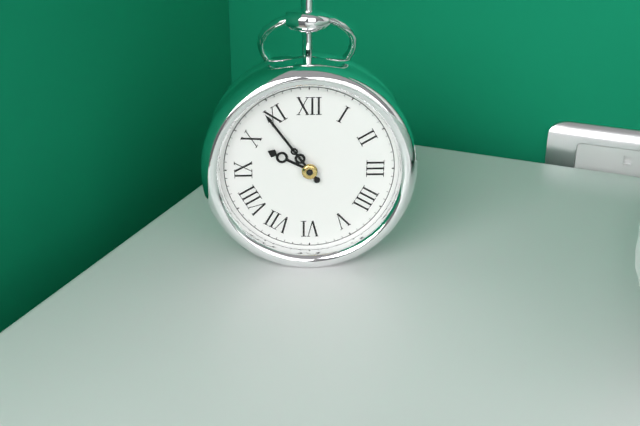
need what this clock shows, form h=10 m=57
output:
h=9 m=54
